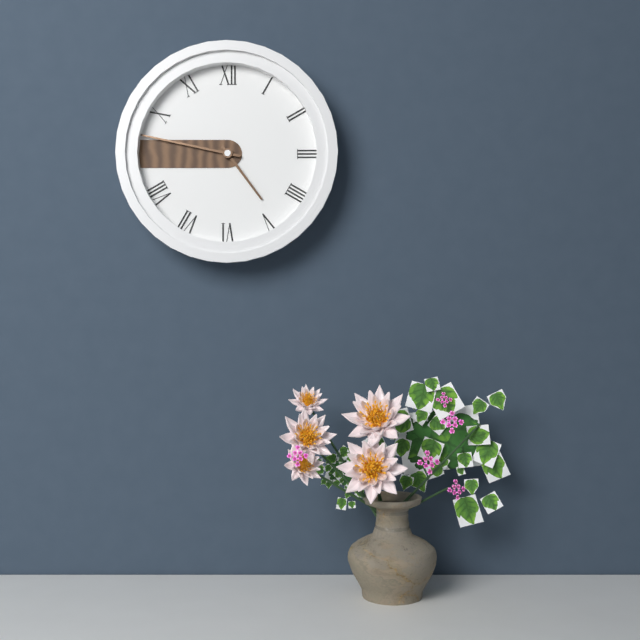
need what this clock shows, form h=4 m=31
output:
h=4 m=47
